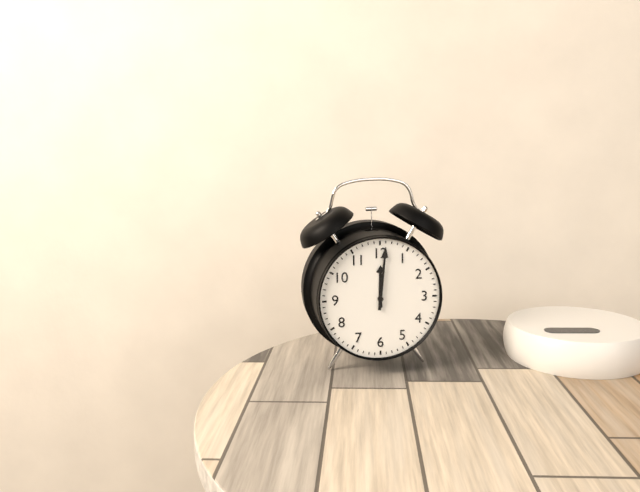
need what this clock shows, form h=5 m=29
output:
h=12 m=1
